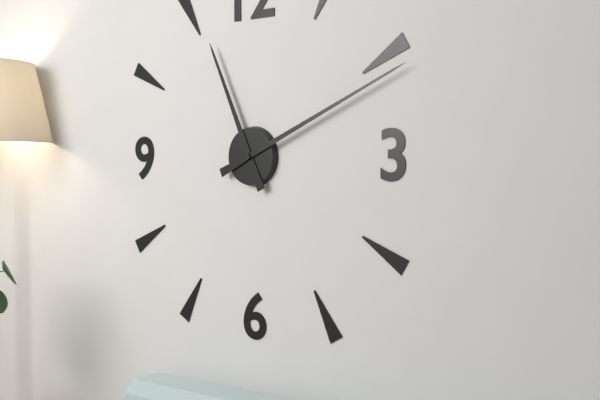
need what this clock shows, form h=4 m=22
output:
h=11 m=11
